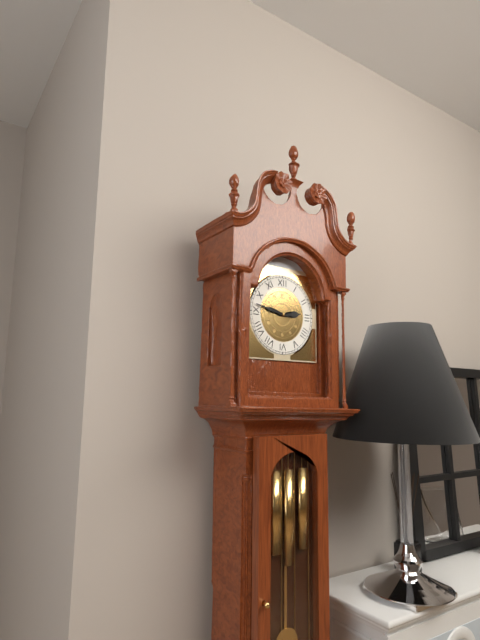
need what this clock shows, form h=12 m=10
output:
h=2 m=47
